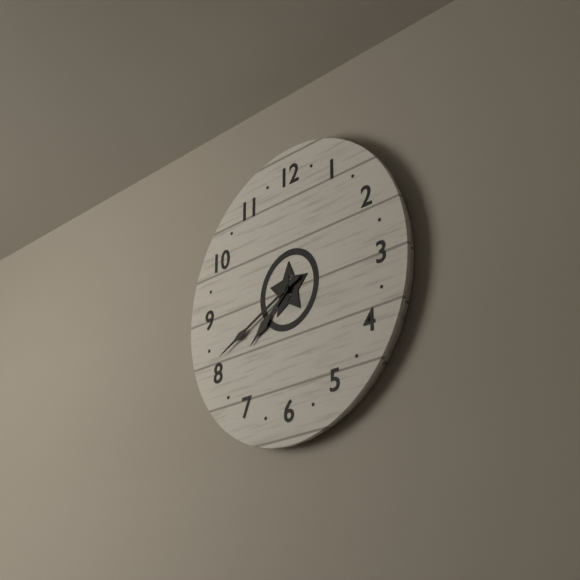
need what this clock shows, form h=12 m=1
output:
h=7 m=41
